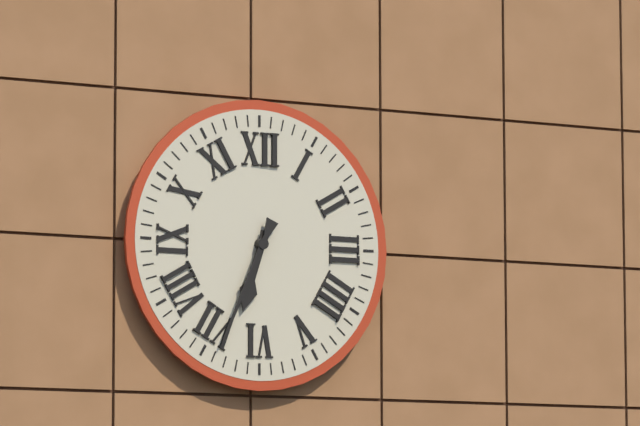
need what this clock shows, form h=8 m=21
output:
h=6 m=34
